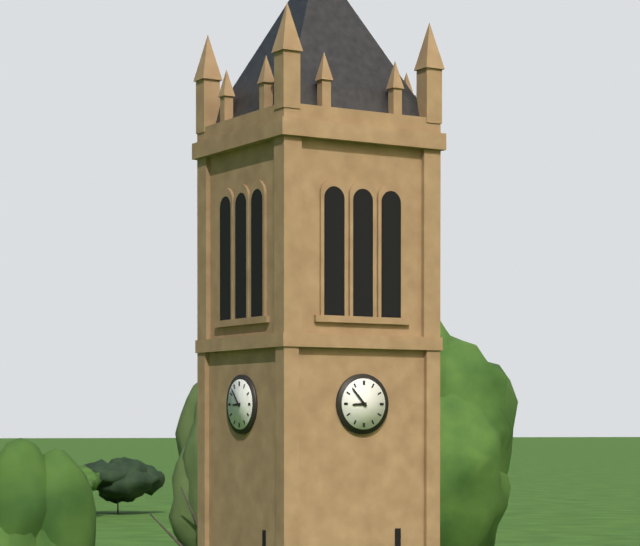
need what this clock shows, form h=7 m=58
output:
h=8 m=53
